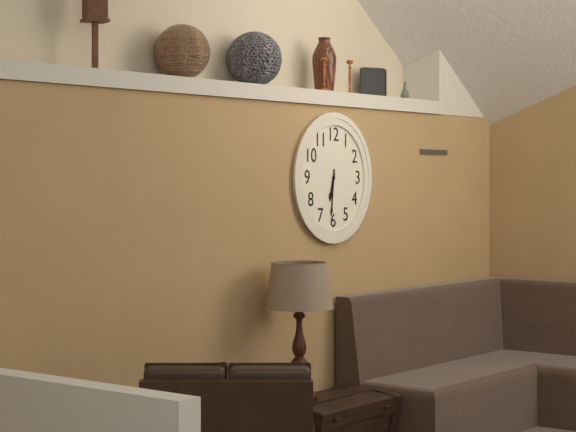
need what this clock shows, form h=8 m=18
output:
h=6 m=31
